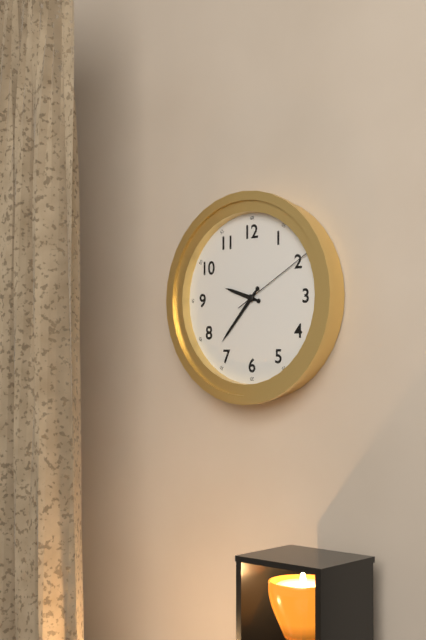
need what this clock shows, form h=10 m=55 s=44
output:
h=9 m=37 s=10
